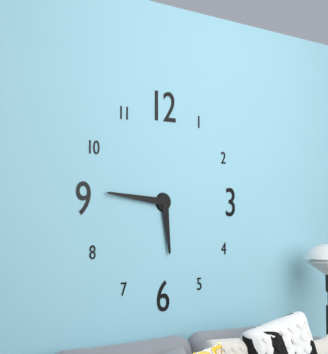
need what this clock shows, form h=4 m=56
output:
h=5 m=46
